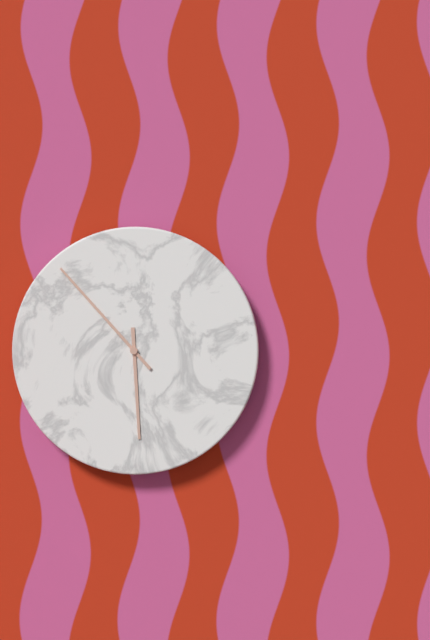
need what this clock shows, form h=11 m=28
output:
h=5 m=53
